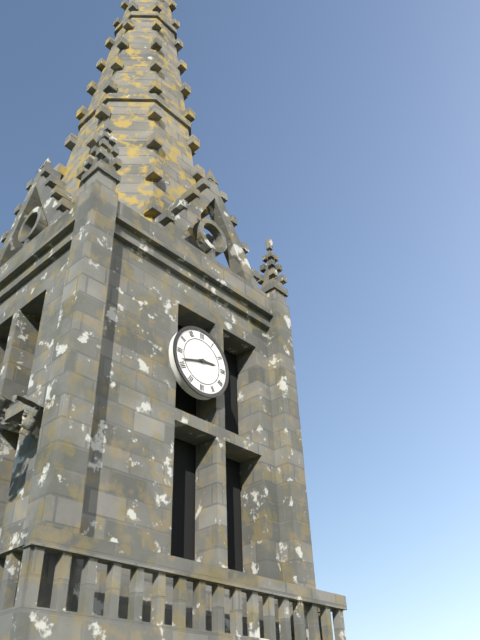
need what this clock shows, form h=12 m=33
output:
h=2 m=42
